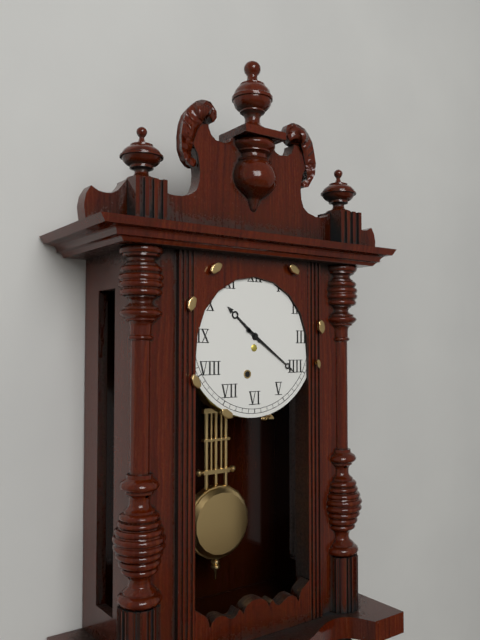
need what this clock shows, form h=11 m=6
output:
h=10 m=21
